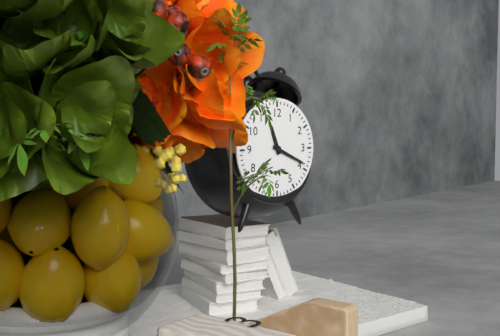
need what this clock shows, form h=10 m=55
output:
h=11 m=19
